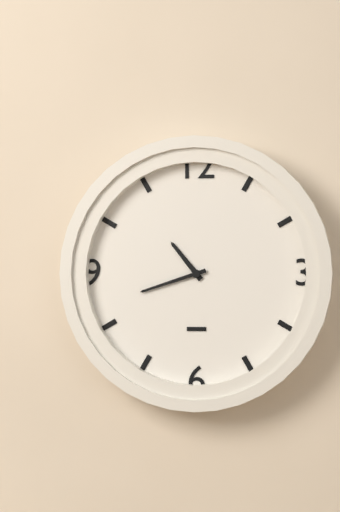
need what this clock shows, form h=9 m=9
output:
h=10 m=42
